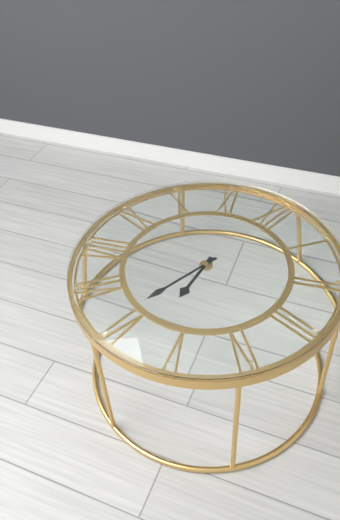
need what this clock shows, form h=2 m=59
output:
h=5 m=31
